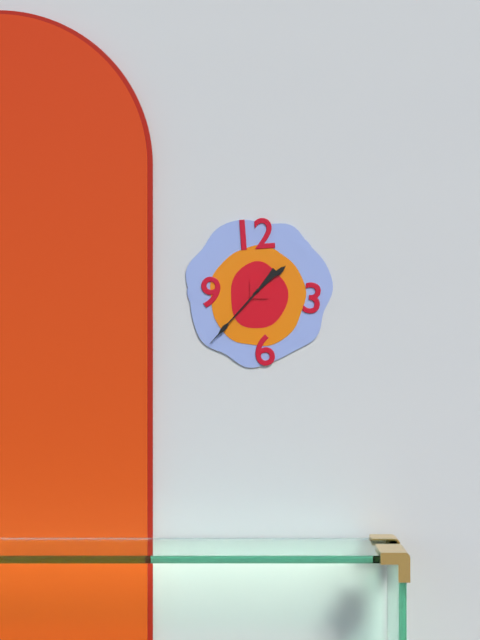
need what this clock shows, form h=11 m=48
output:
h=1 m=37
